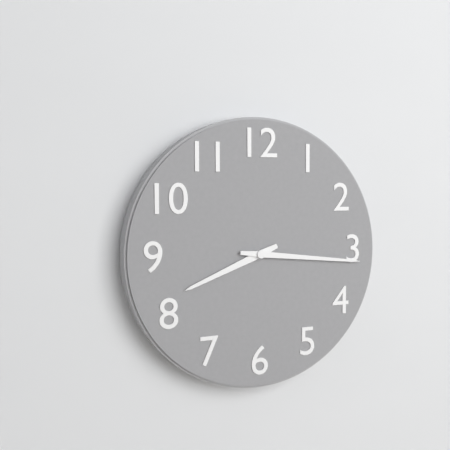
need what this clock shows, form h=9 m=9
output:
h=8 m=16
